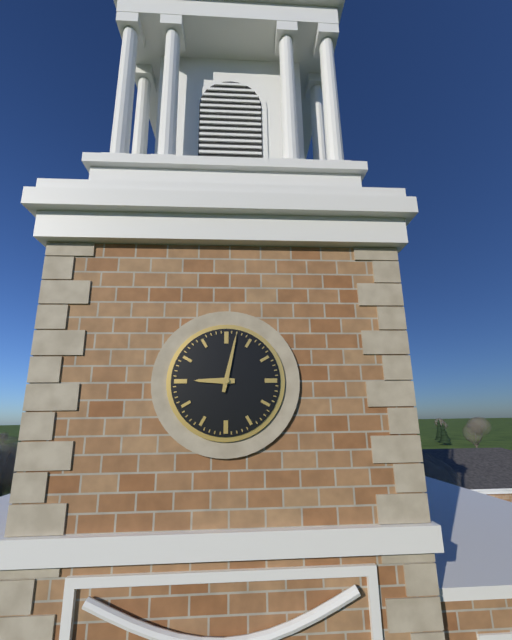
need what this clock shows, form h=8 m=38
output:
h=9 m=2
